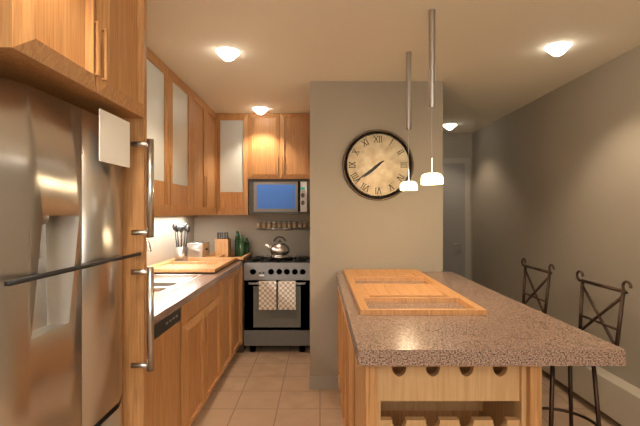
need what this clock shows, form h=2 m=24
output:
h=7 m=39
